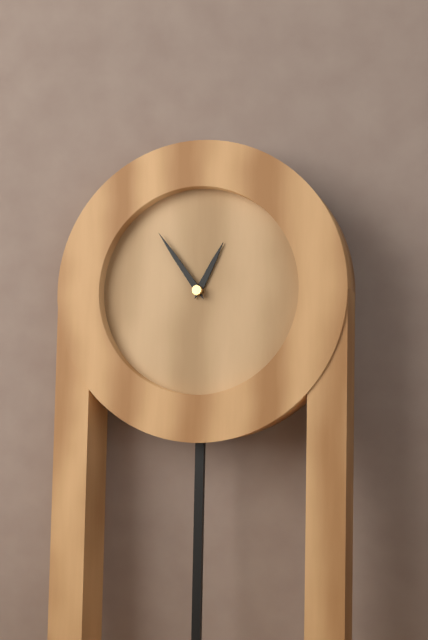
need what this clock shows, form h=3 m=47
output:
h=12 m=54
